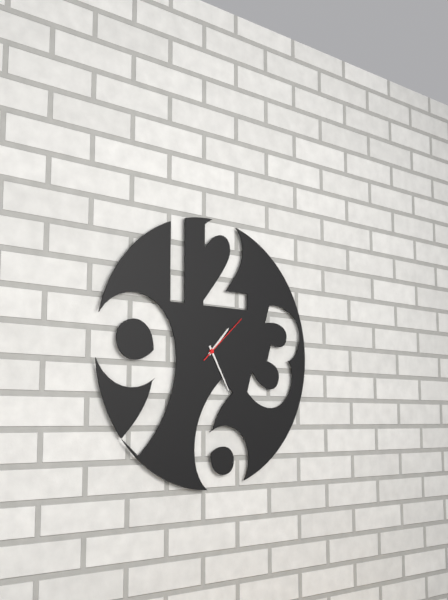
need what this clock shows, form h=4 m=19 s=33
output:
h=1 m=25 s=8
